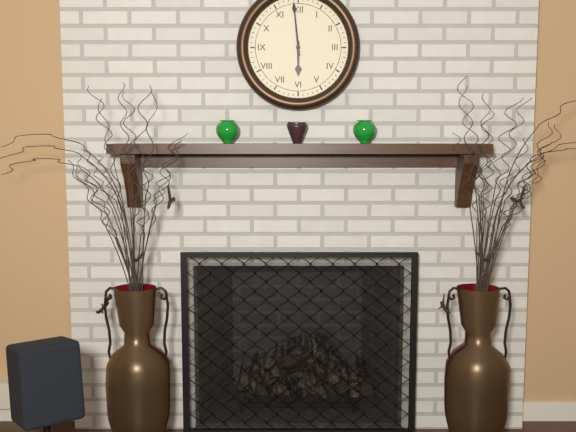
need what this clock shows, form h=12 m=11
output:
h=5 m=59
